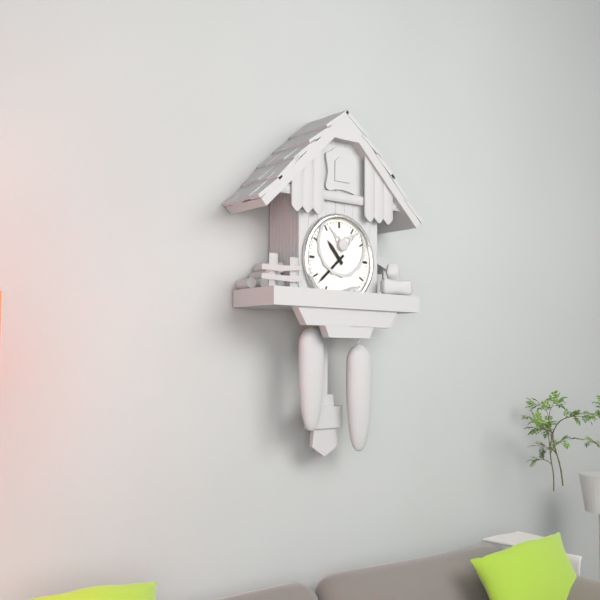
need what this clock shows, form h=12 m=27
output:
h=10 m=38
